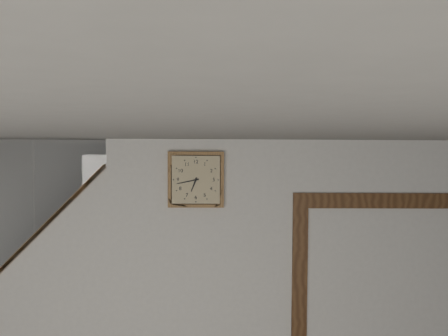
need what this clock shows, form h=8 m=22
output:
h=6 m=43
